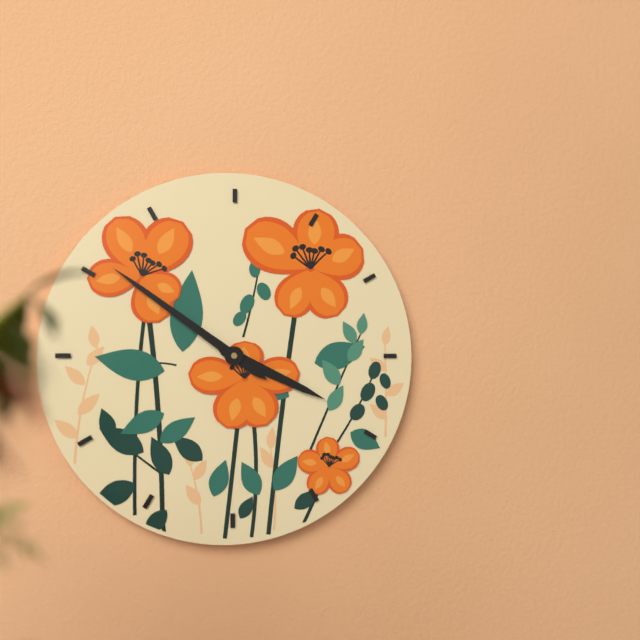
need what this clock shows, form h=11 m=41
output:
h=3 m=51
